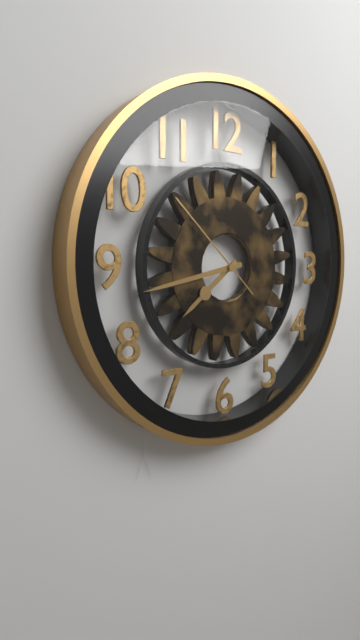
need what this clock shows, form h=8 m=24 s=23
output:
h=7 m=43 s=52
